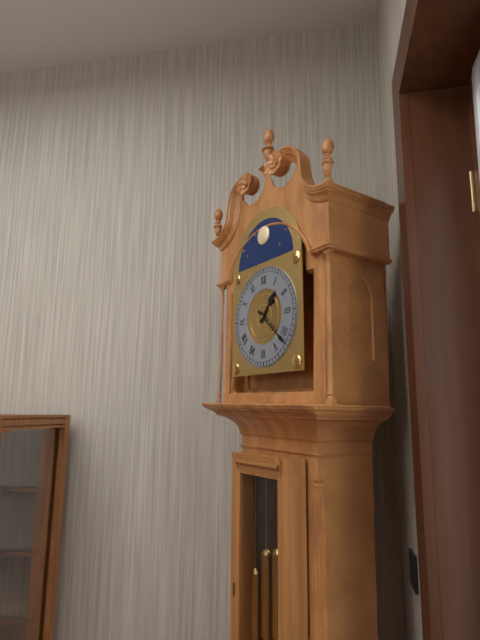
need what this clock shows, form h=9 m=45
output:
h=1 m=22
